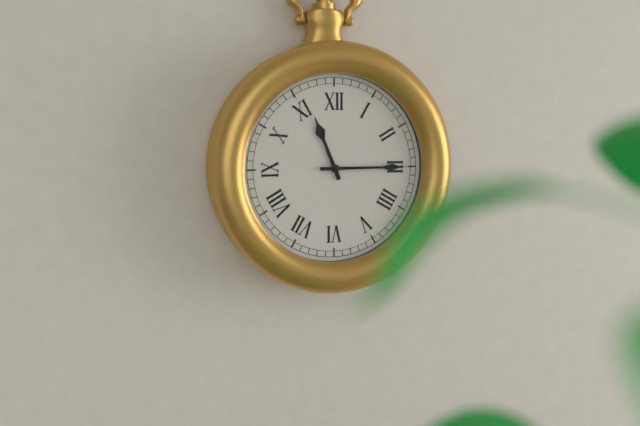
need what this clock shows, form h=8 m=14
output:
h=11 m=15
